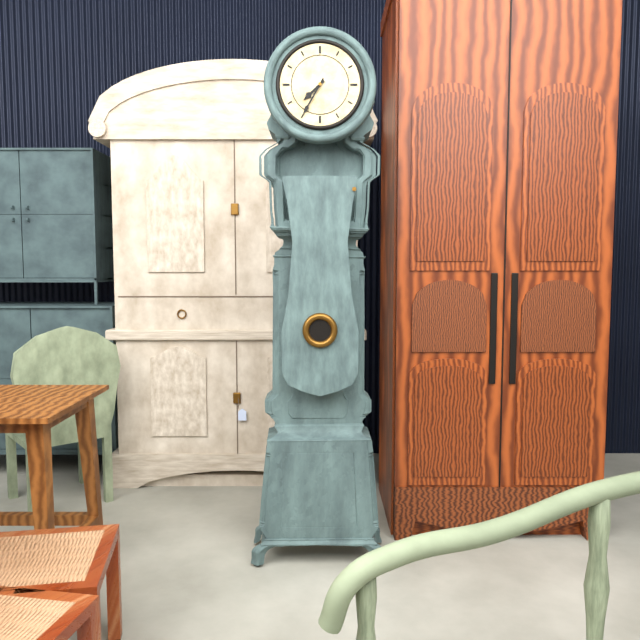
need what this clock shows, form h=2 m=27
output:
h=7 m=35
